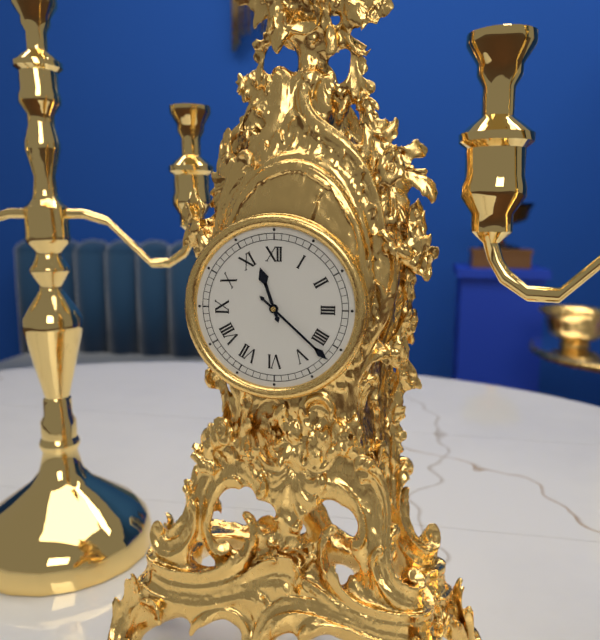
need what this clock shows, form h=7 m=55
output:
h=11 m=22
